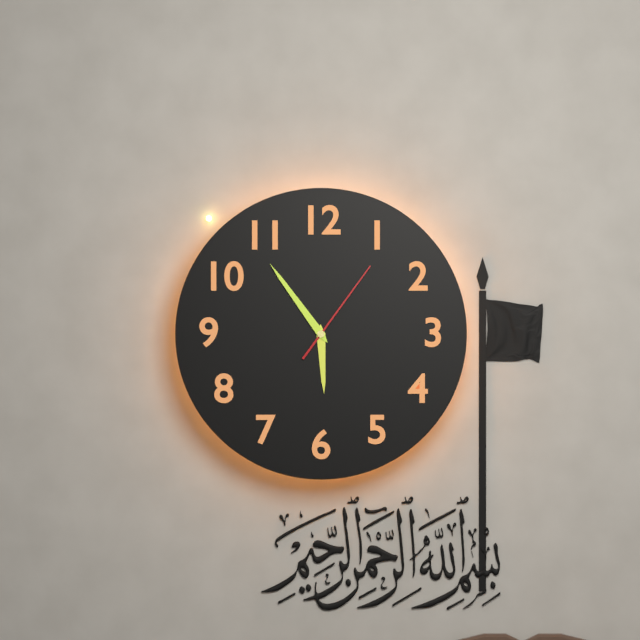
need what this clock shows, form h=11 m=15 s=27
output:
h=5 m=54 s=6
